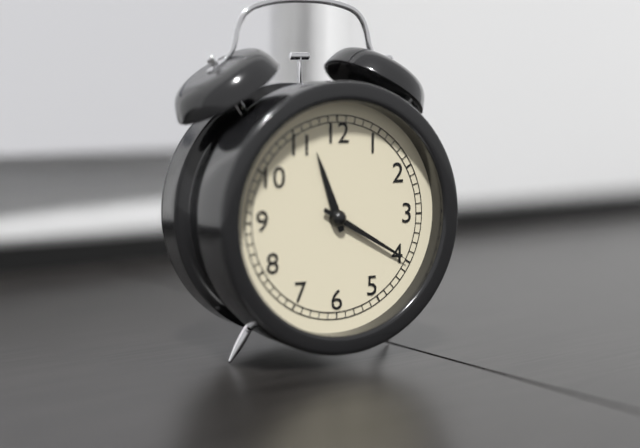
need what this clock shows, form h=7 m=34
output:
h=11 m=20
